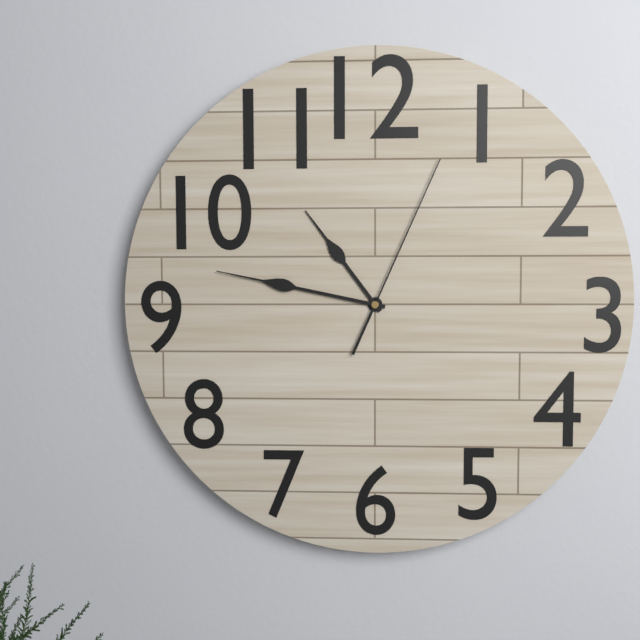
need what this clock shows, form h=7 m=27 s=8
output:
h=10 m=47 s=4
